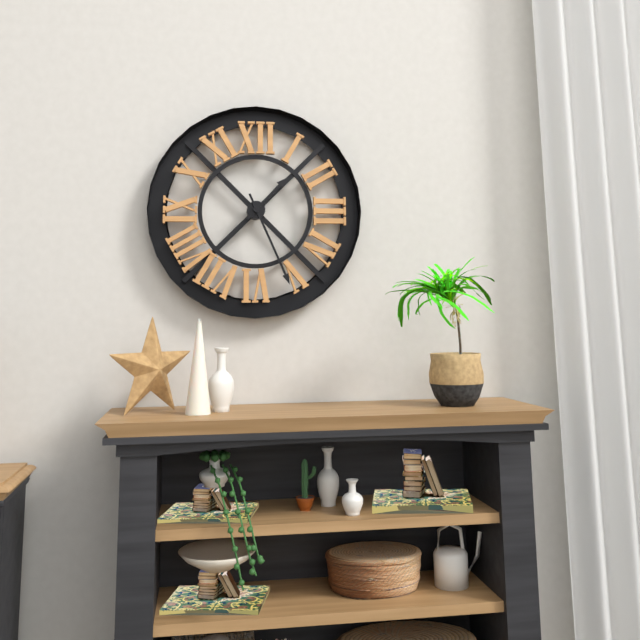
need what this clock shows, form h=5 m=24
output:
h=1 m=26
